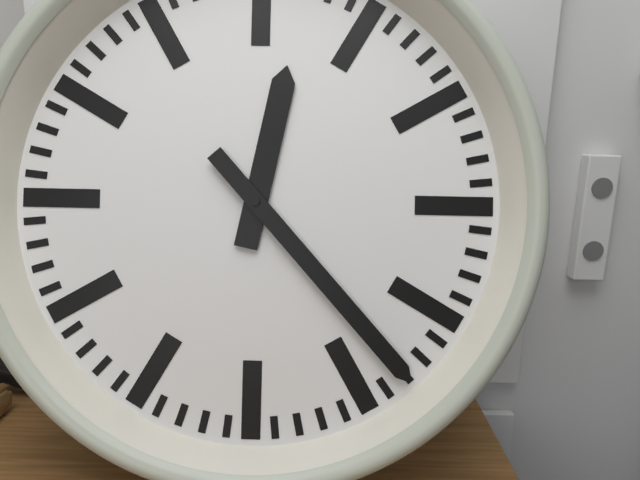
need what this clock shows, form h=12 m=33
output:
h=12 m=23
